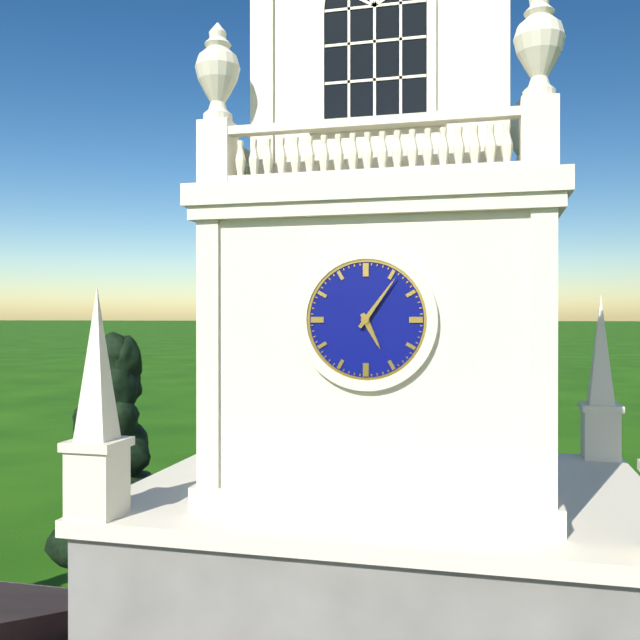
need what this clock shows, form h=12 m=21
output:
h=5 m=6
